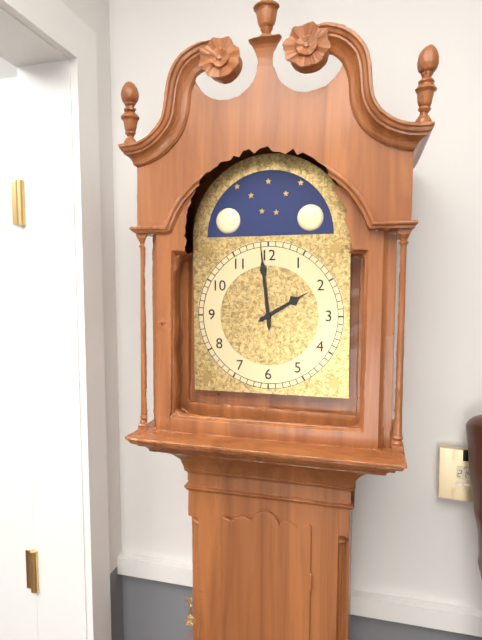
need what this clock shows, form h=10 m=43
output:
h=1 m=59
